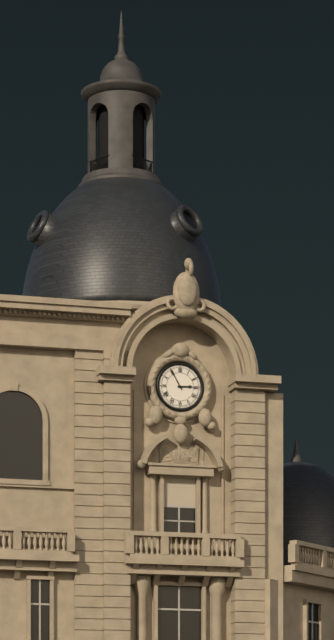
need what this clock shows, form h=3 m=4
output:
h=2 m=55
